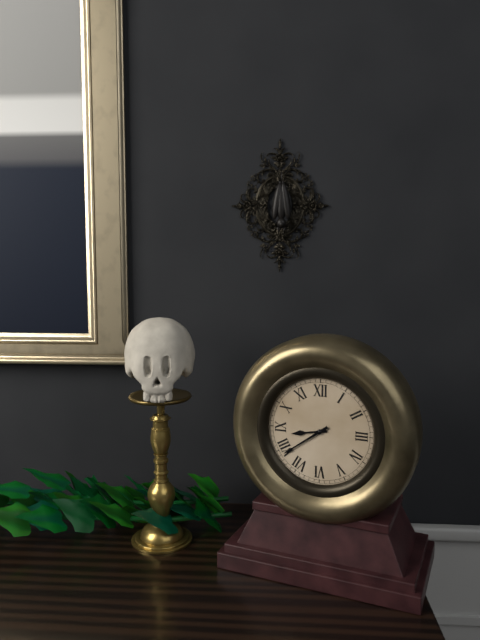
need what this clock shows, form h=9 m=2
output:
h=8 m=39
